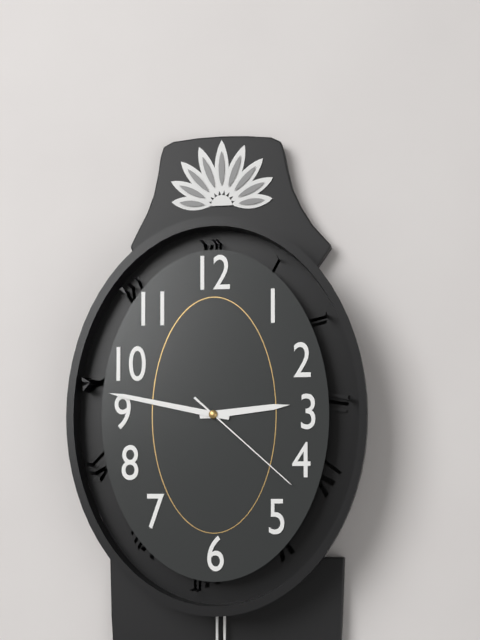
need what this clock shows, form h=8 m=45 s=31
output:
h=2 m=47 s=22
